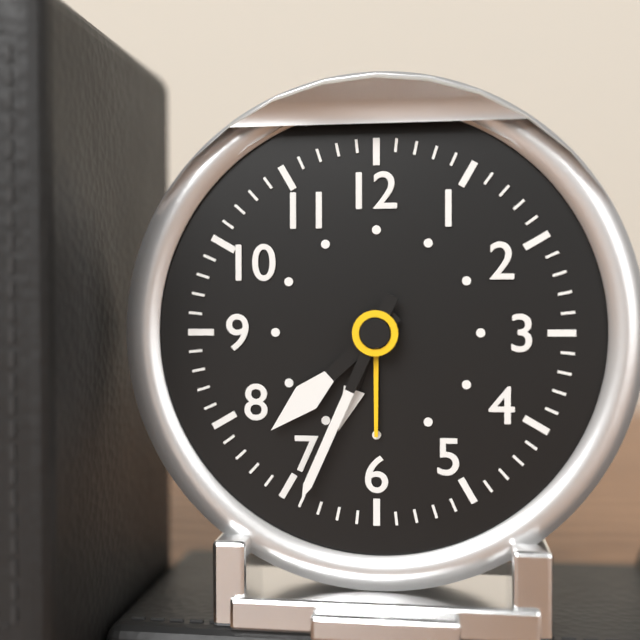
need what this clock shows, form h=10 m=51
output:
h=7 m=34
